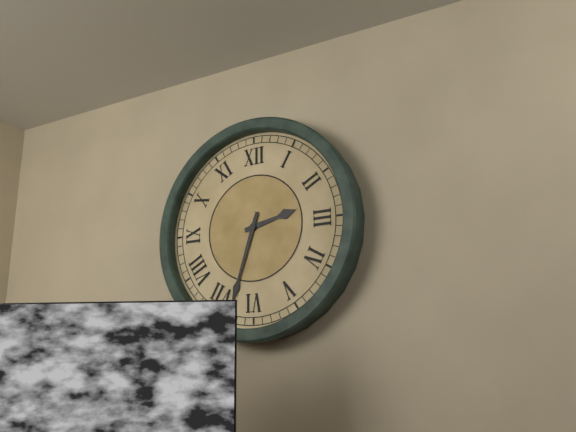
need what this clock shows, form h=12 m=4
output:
h=2 m=33
